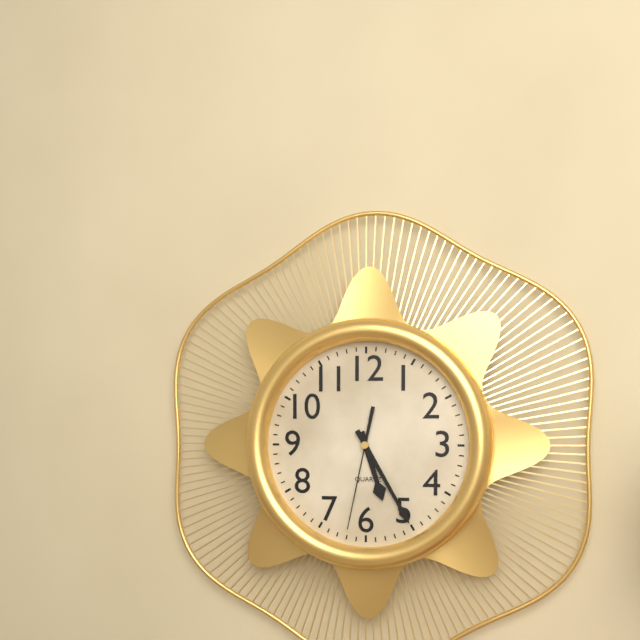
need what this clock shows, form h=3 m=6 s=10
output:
h=5 m=25 s=32
